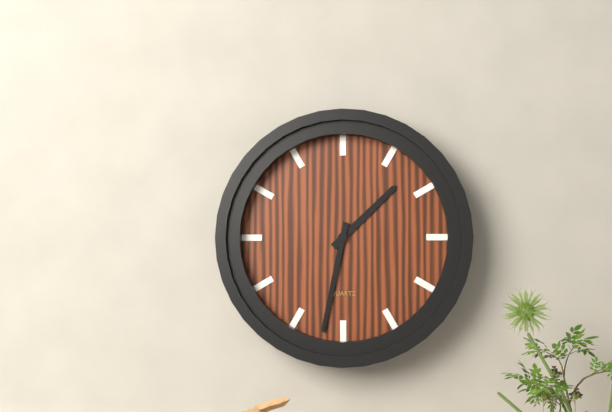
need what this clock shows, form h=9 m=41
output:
h=1 m=32
